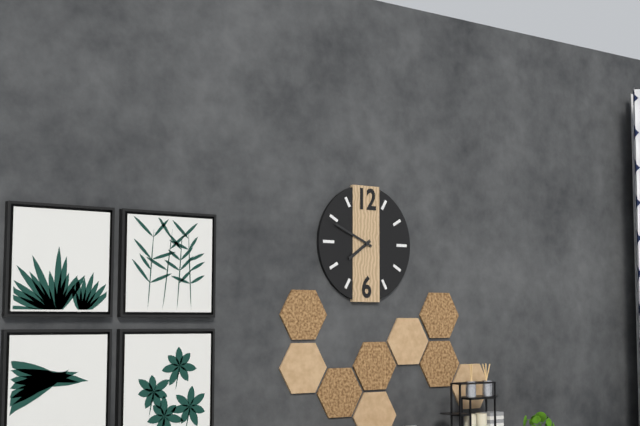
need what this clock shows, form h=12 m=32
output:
h=7 m=49
